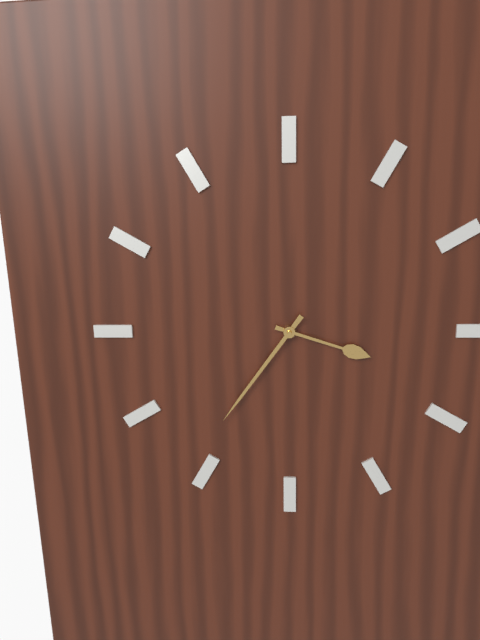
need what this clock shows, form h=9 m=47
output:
h=3 m=36
